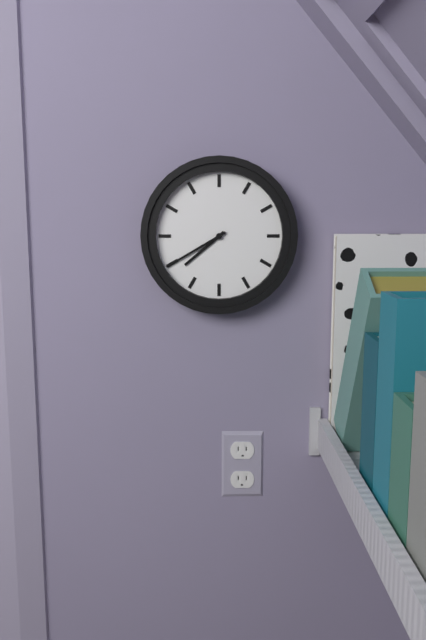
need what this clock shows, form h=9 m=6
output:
h=7 m=40
